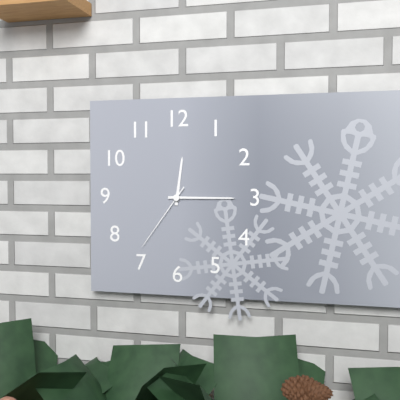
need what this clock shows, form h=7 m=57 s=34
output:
h=12 m=15 s=36
